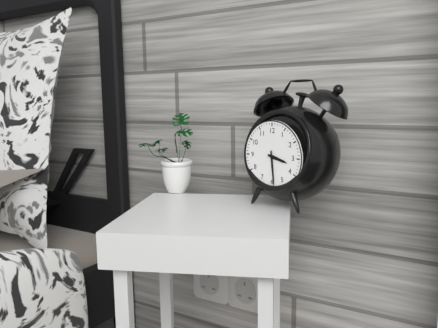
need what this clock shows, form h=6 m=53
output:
h=3 m=29
